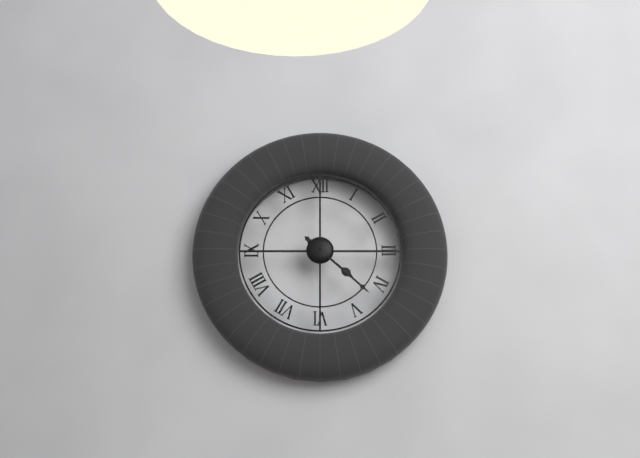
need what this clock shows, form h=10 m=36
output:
h=4 m=22
